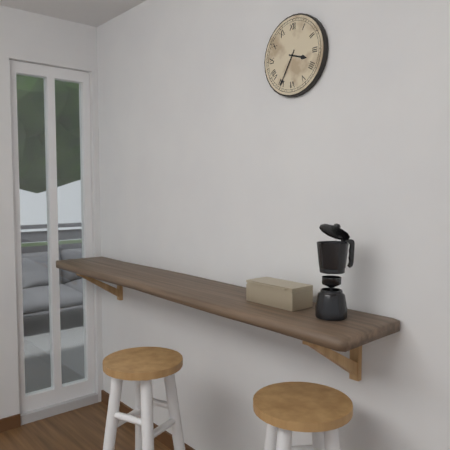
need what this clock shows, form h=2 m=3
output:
h=3 m=35
